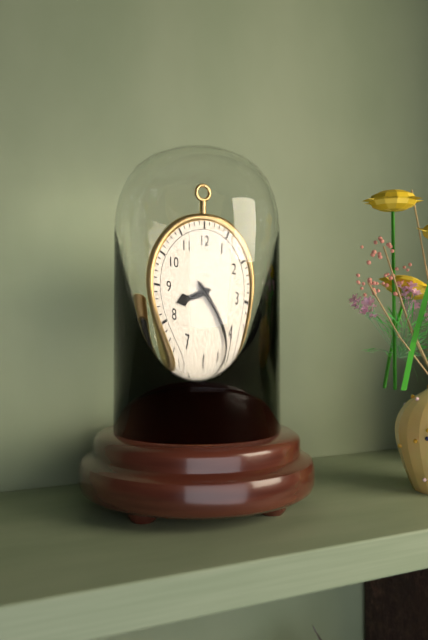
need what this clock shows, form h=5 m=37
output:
h=8 m=22
